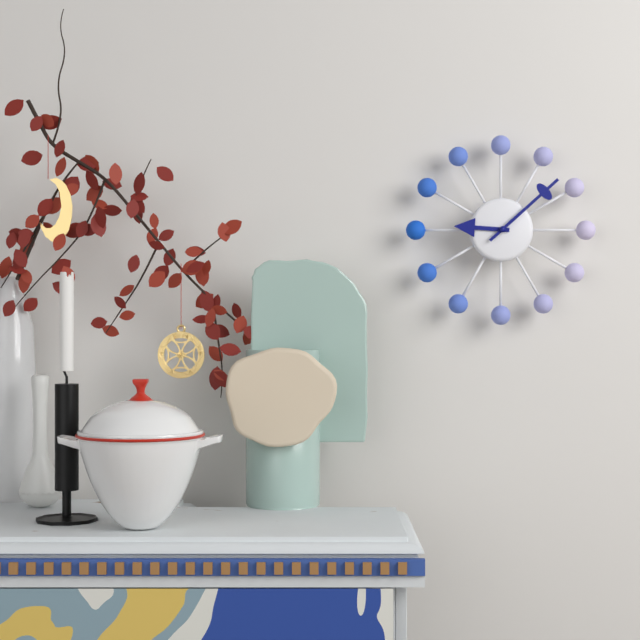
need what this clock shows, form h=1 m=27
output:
h=9 m=8
